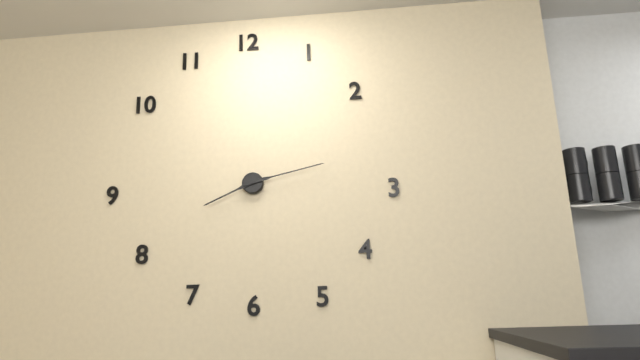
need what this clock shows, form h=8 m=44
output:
h=8 m=13
